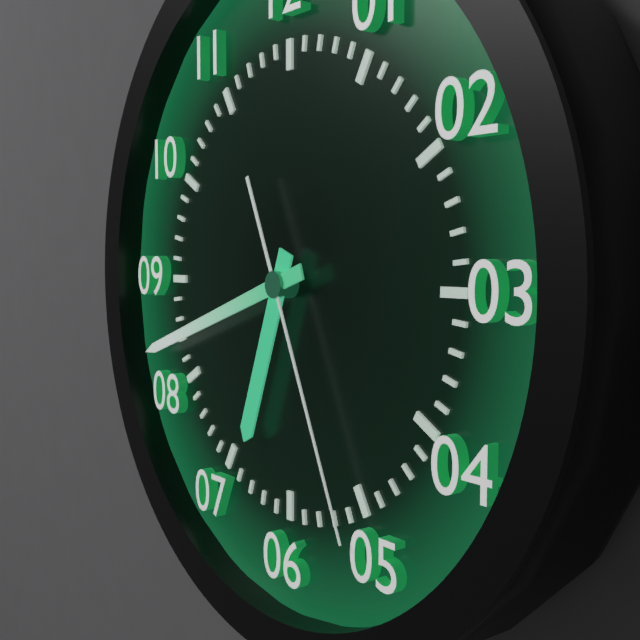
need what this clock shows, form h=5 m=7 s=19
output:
h=6 m=42 s=26
